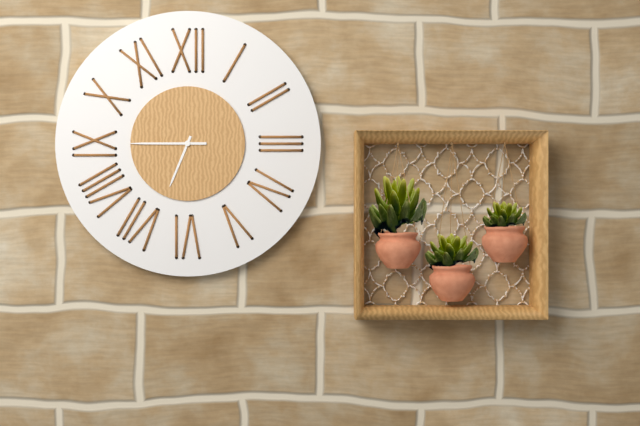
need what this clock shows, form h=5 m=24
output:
h=6 m=45
